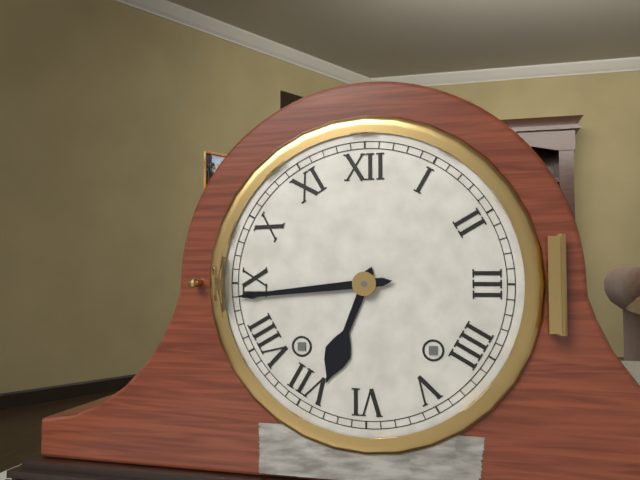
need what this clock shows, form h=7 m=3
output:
h=6 m=44
